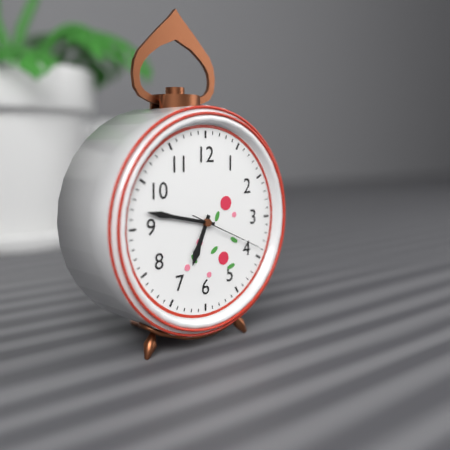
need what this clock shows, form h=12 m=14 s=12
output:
h=6 m=47 s=19
